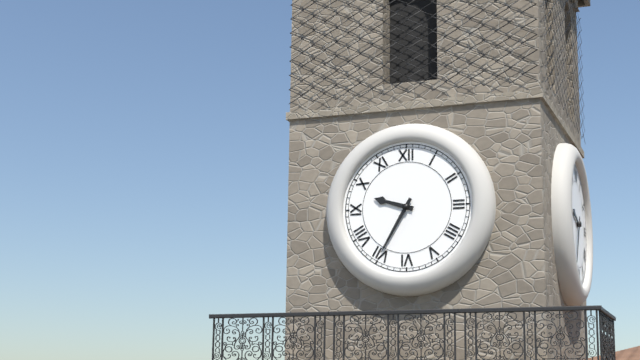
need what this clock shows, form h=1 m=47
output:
h=9 m=35
